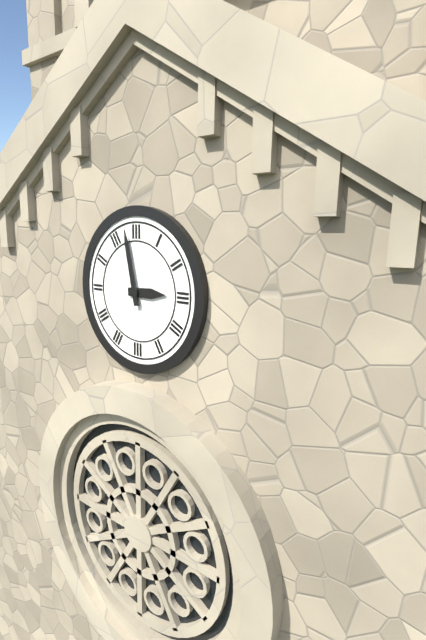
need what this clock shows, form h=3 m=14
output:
h=2 m=58
